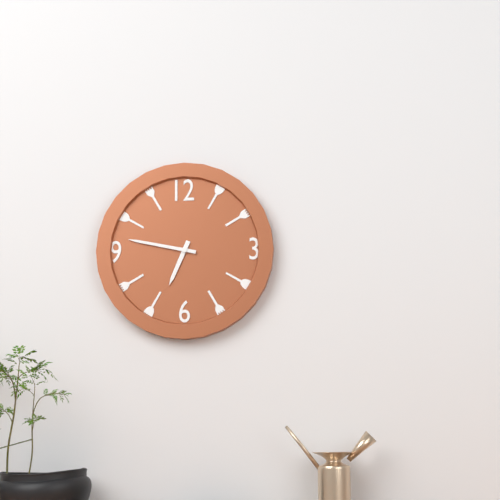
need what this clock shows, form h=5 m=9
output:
h=6 m=47
